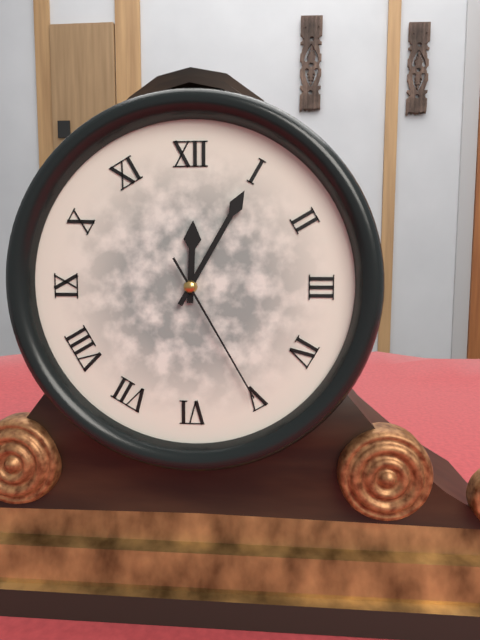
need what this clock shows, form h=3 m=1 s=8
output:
h=12 m=5 s=25
